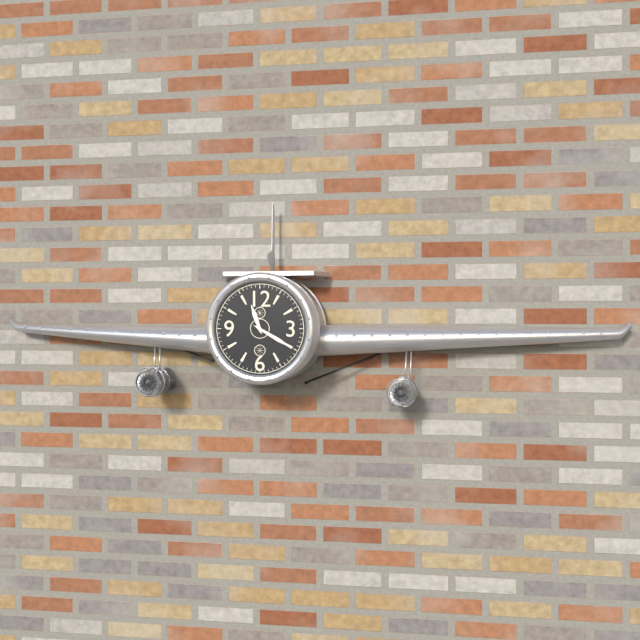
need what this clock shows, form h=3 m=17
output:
h=11 m=20
